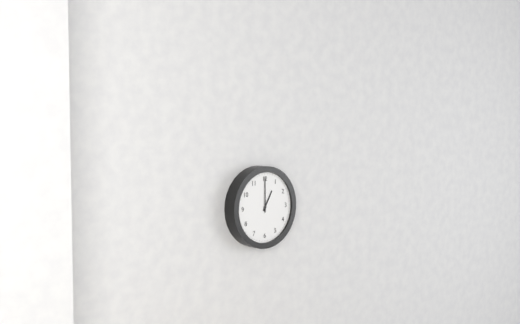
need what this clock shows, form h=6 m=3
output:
h=1 m=0
